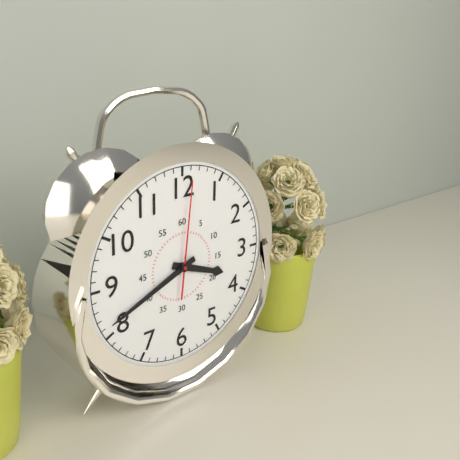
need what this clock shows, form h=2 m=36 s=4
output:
h=3 m=41 s=1
